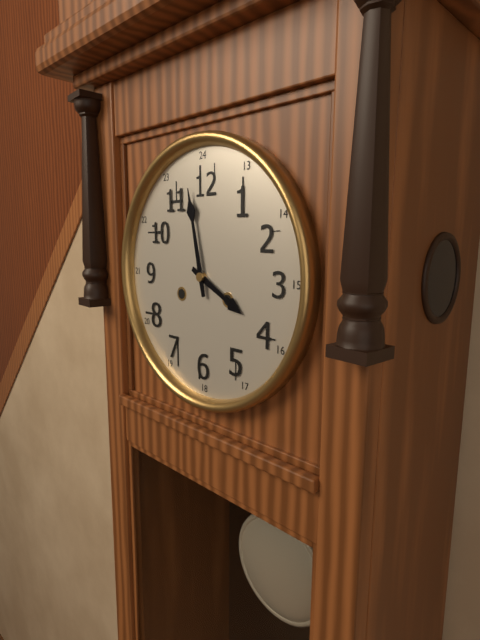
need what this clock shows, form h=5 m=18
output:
h=3 m=58
